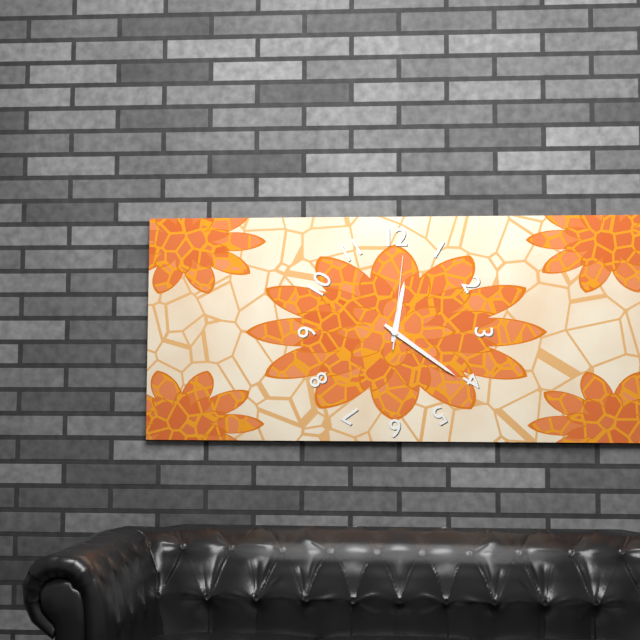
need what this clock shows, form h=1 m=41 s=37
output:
h=12 m=21 s=1
